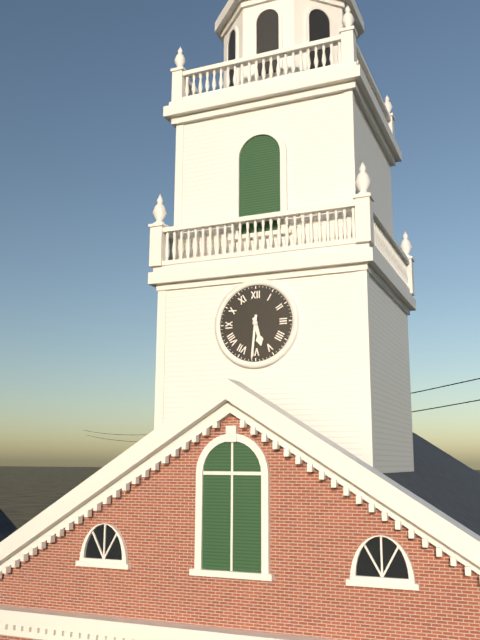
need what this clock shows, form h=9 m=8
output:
h=5 m=31
